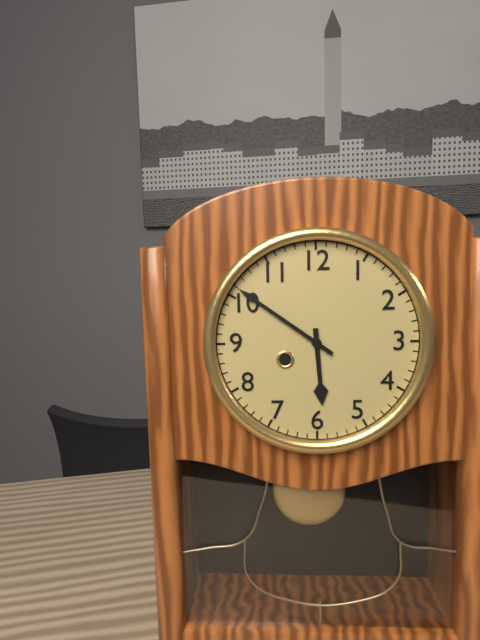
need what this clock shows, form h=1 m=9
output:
h=5 m=51
